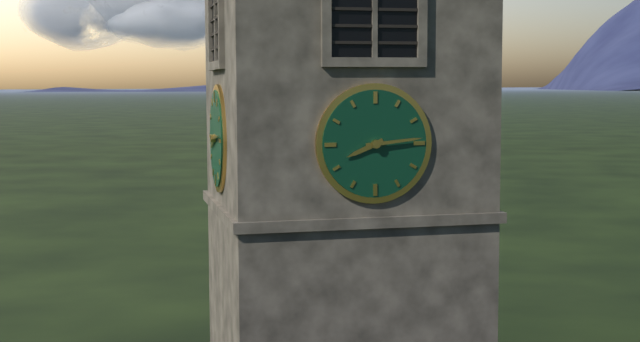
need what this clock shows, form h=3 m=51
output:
h=8 m=14
